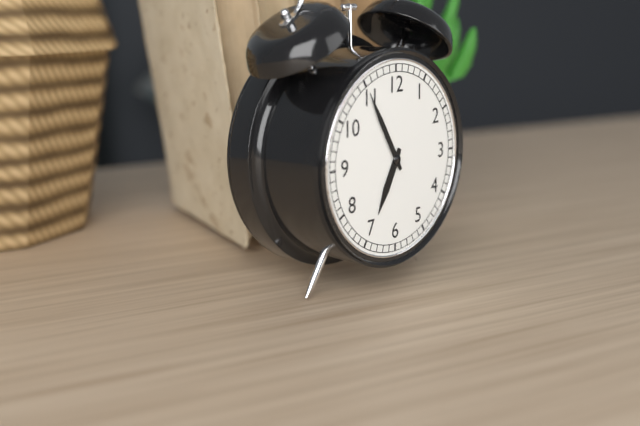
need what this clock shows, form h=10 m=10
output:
h=6 m=55
